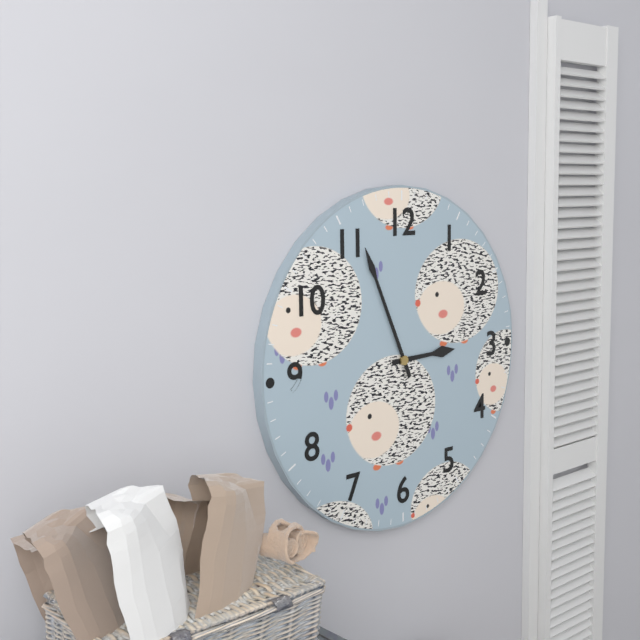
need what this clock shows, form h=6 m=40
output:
h=2 m=56
